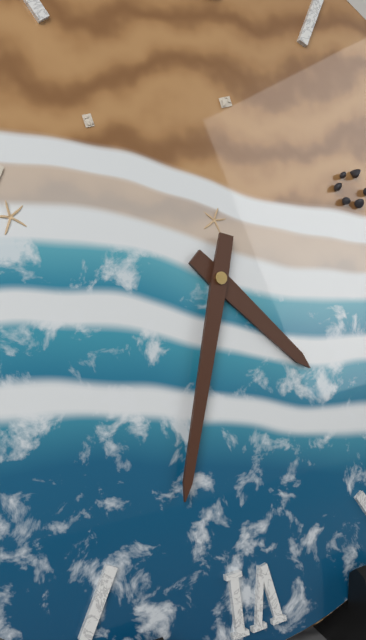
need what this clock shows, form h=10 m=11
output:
h=4 m=33
